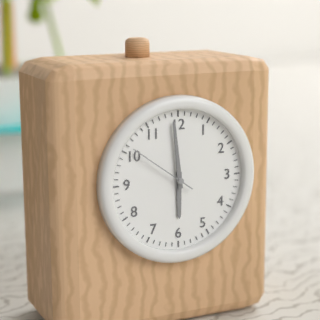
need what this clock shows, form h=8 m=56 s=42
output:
h=5 m=59 s=51
